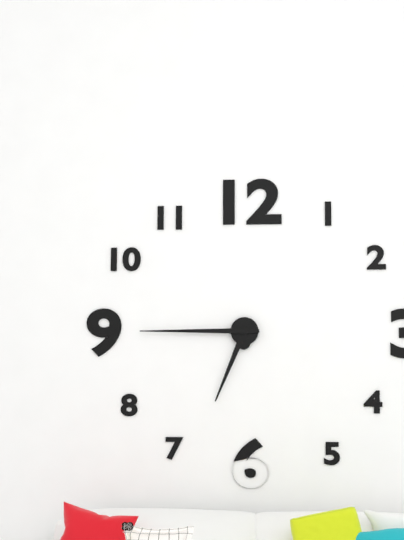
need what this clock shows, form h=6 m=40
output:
h=6 m=45
